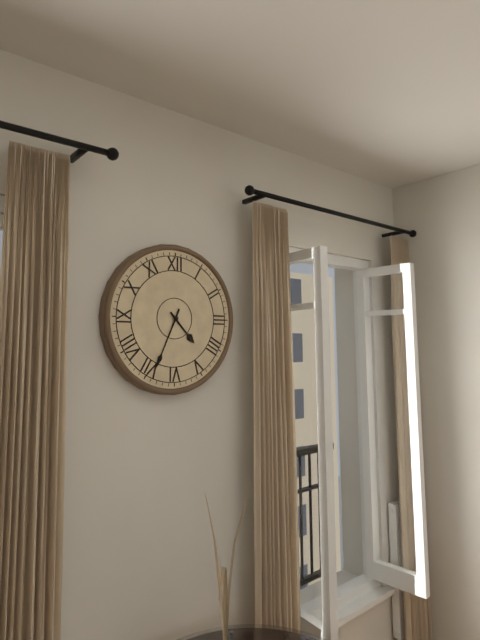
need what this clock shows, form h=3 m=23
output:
h=4 m=34
